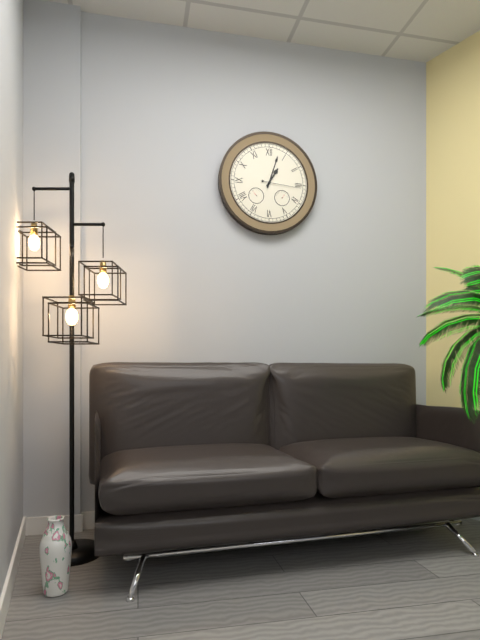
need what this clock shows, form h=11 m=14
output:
h=1 m=3
